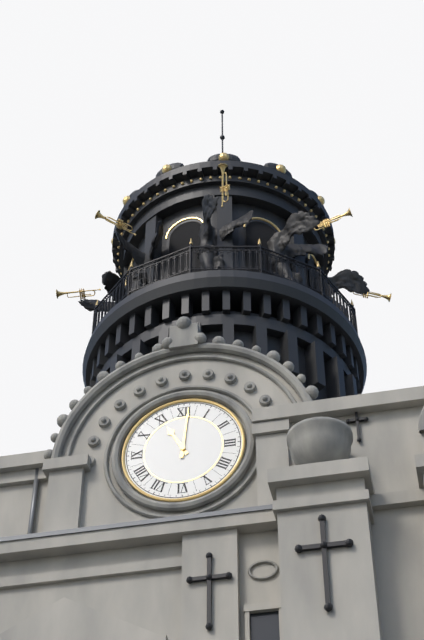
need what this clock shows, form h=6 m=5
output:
h=11 m=1
